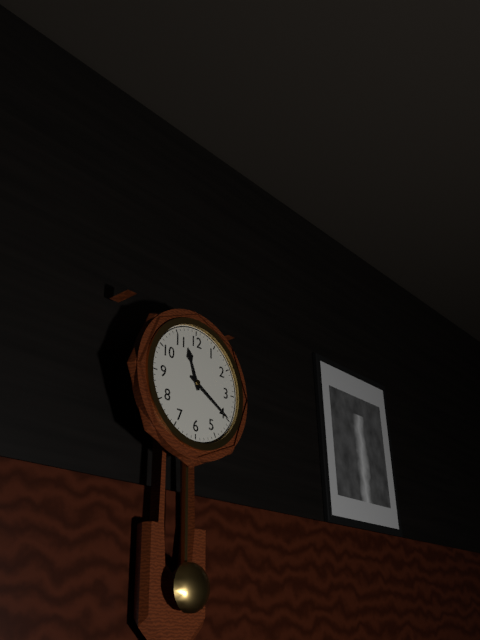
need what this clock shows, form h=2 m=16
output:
h=11 m=20
